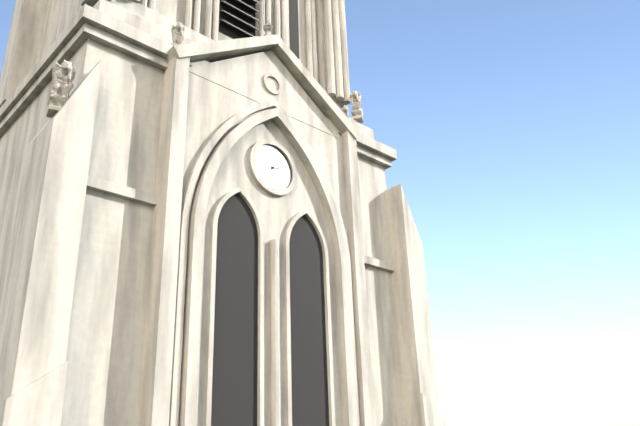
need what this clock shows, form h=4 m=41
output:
h=2 m=26
